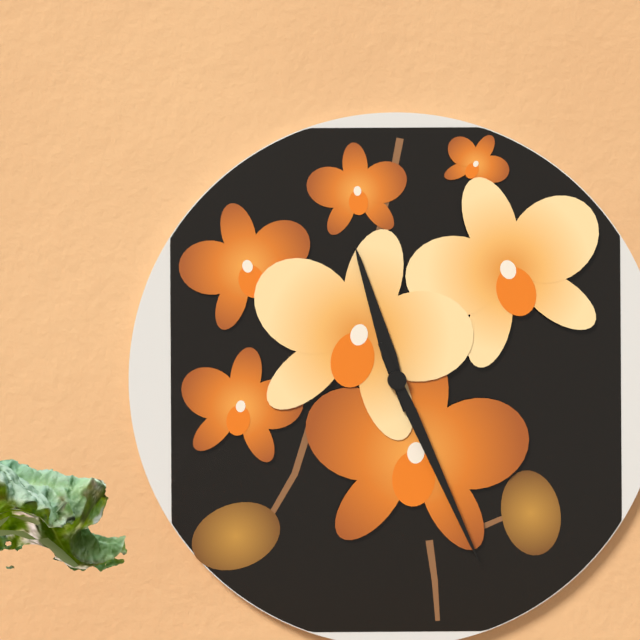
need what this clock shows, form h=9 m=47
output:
h=11 m=26
